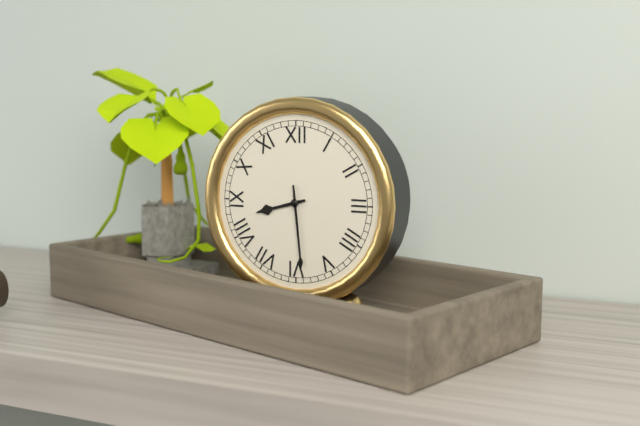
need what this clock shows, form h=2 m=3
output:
h=8 m=29
